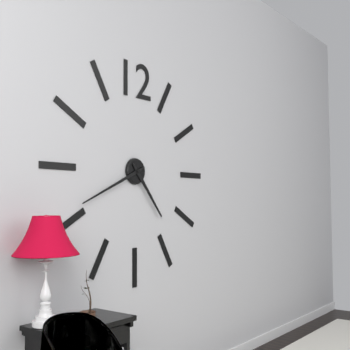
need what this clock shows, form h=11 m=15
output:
h=4 m=41
